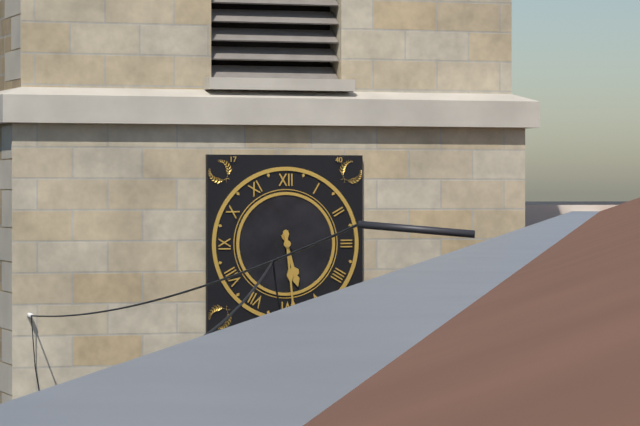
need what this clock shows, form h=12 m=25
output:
h=5 m=29
